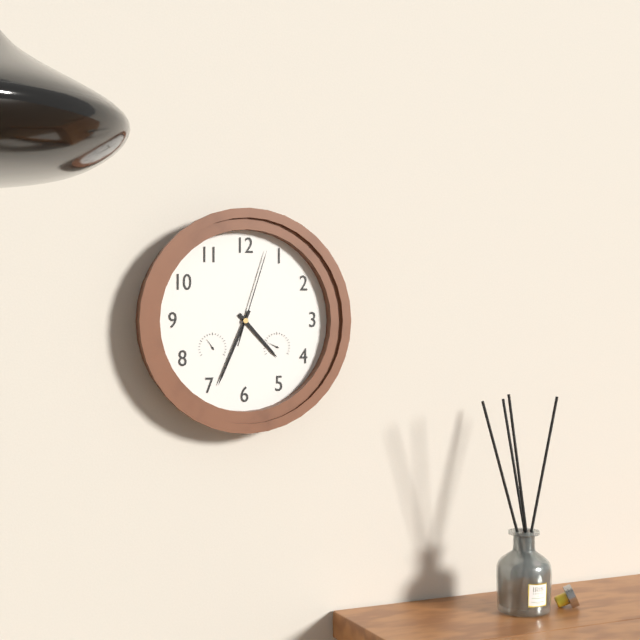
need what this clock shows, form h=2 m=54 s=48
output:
h=4 m=34 s=3
